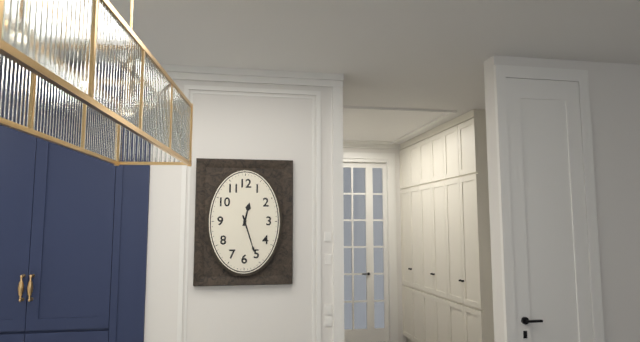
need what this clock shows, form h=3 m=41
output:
h=12 m=27
